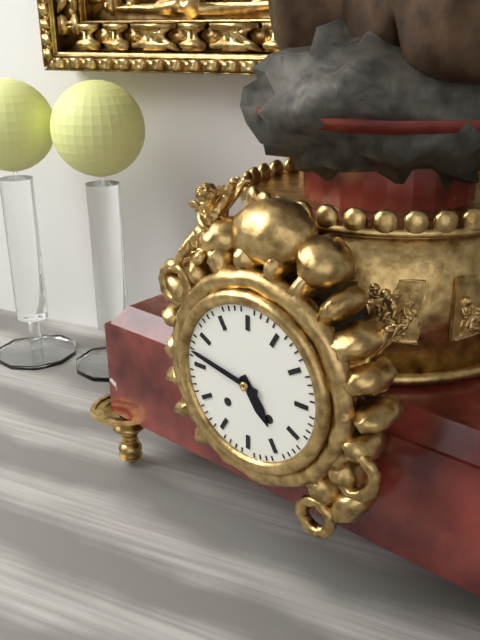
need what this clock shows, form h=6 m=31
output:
h=4 m=47
